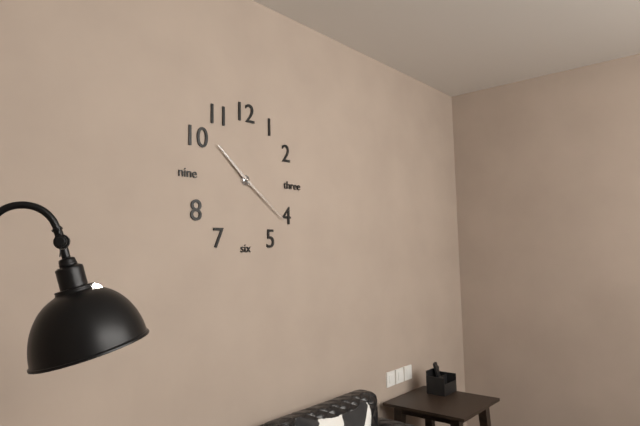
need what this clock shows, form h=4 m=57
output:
h=10 m=21
